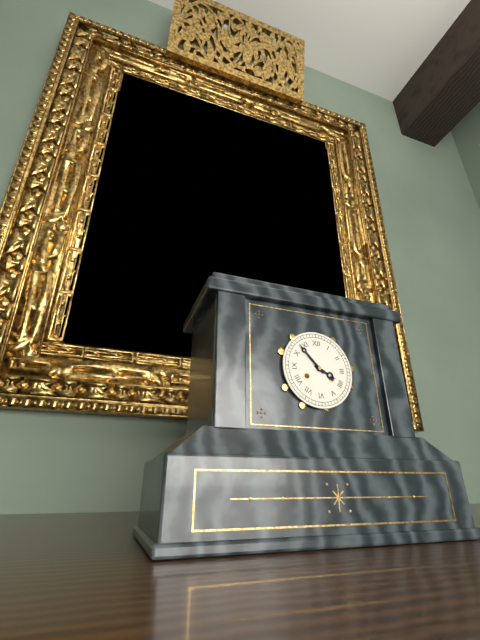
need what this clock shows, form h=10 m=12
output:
h=3 m=53
